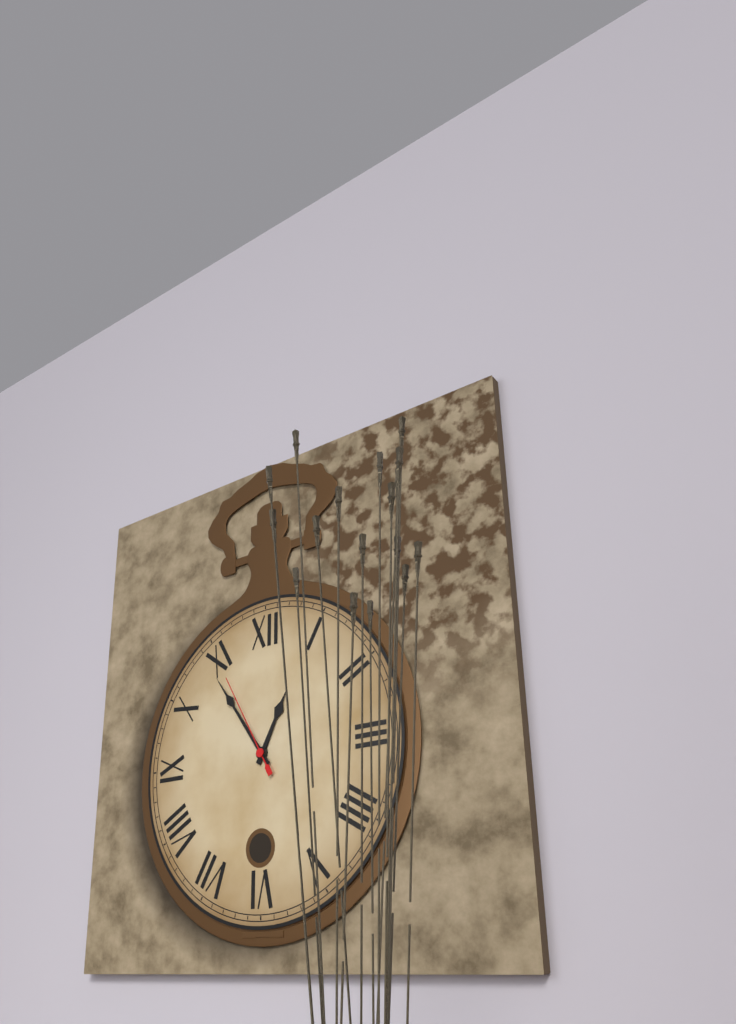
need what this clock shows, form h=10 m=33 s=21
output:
h=12 m=54 s=55
